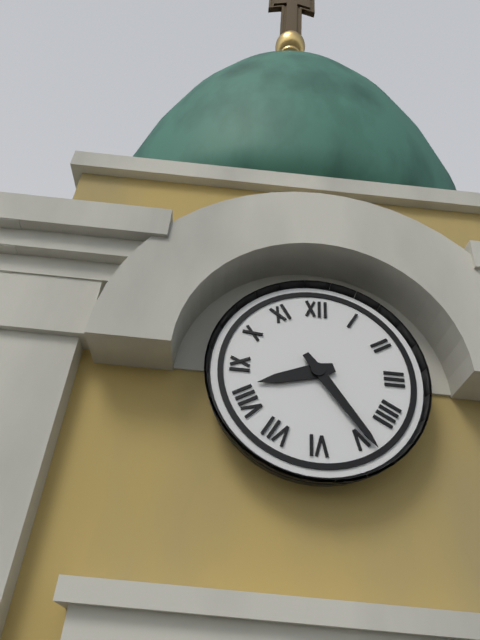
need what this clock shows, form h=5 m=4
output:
h=8 m=24
